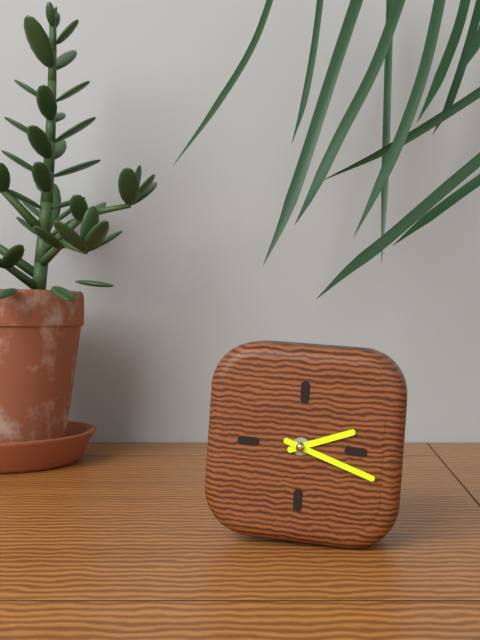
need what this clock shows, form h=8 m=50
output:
h=2 m=18
